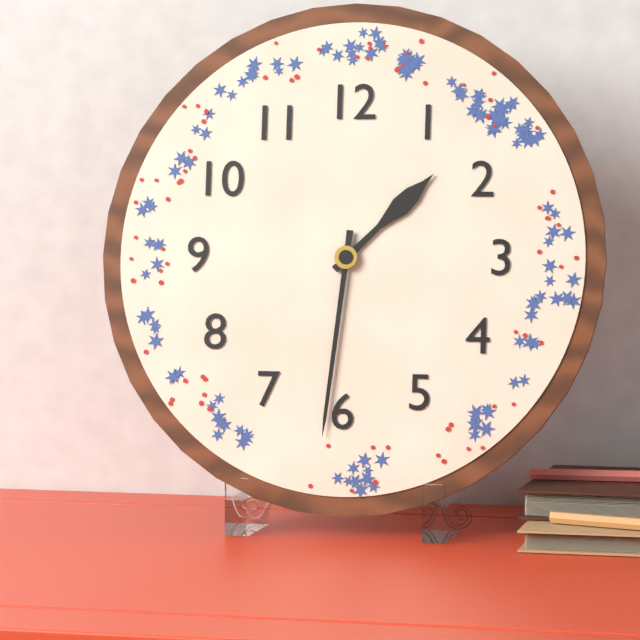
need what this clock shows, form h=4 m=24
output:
h=1 m=31
